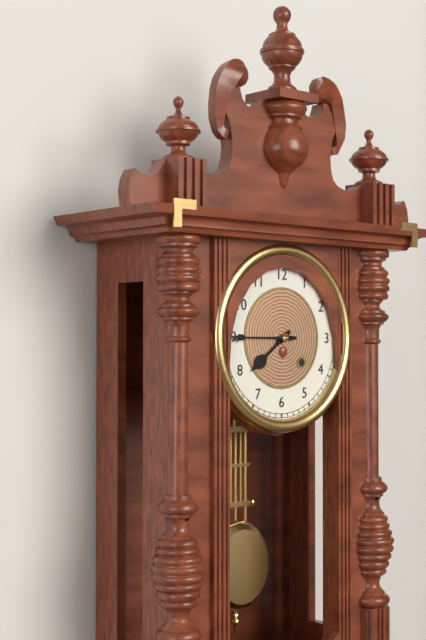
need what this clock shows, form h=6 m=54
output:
h=7 m=45
